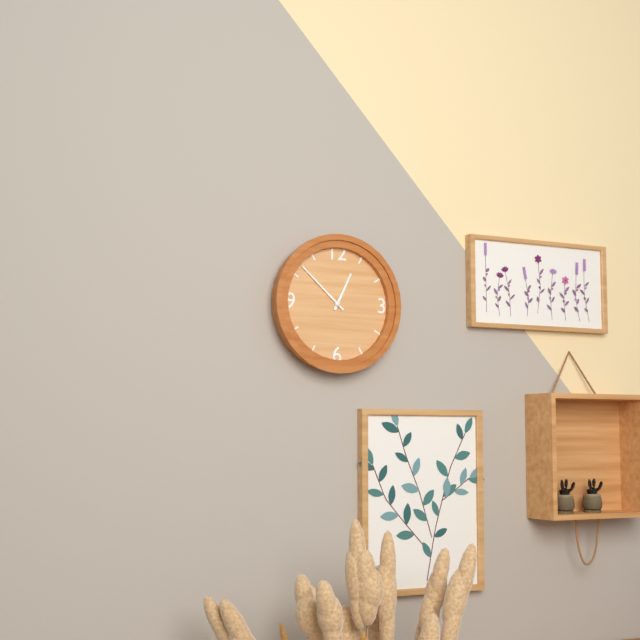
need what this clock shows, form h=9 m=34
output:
h=12 m=52
